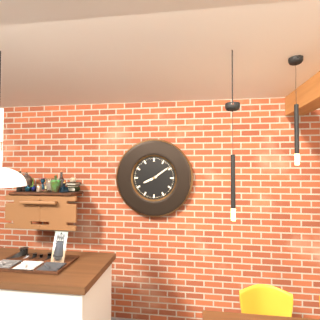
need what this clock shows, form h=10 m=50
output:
h=8 m=9
